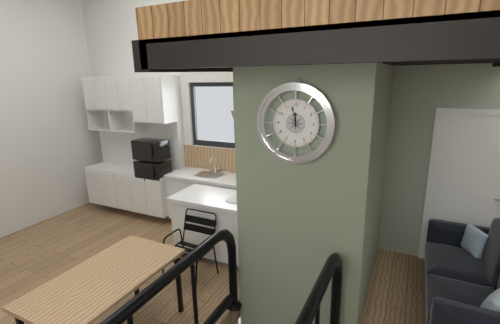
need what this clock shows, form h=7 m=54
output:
h=11 m=58
